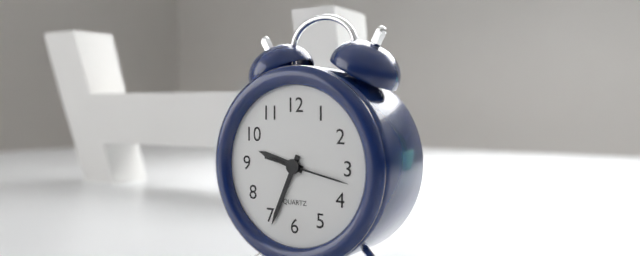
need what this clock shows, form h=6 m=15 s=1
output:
h=9 m=34 s=17
